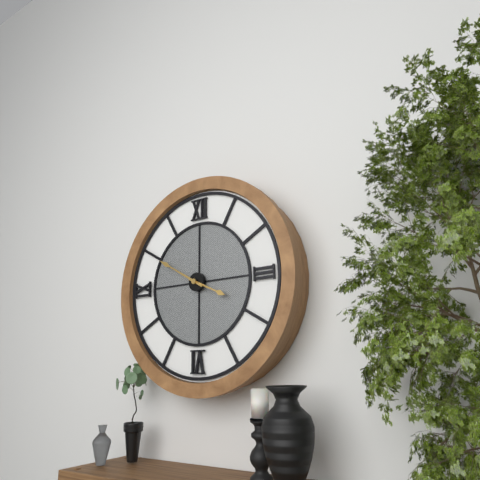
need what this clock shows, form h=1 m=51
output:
h=3 m=50
